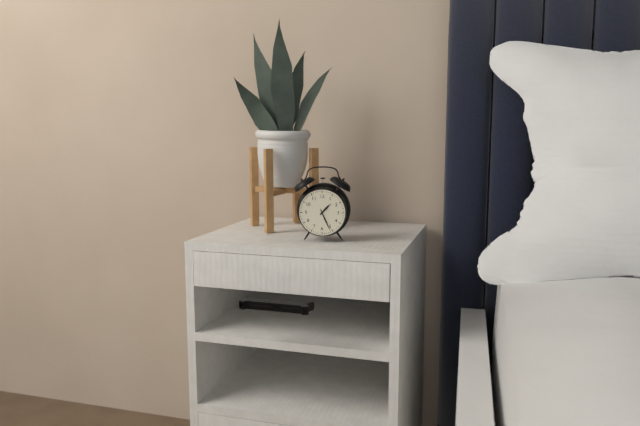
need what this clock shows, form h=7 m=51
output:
h=1 m=26
